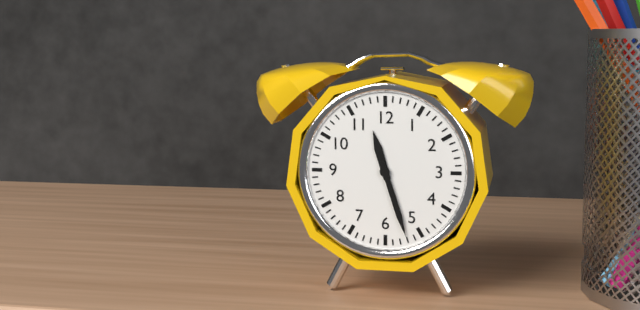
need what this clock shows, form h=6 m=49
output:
h=11 m=27
